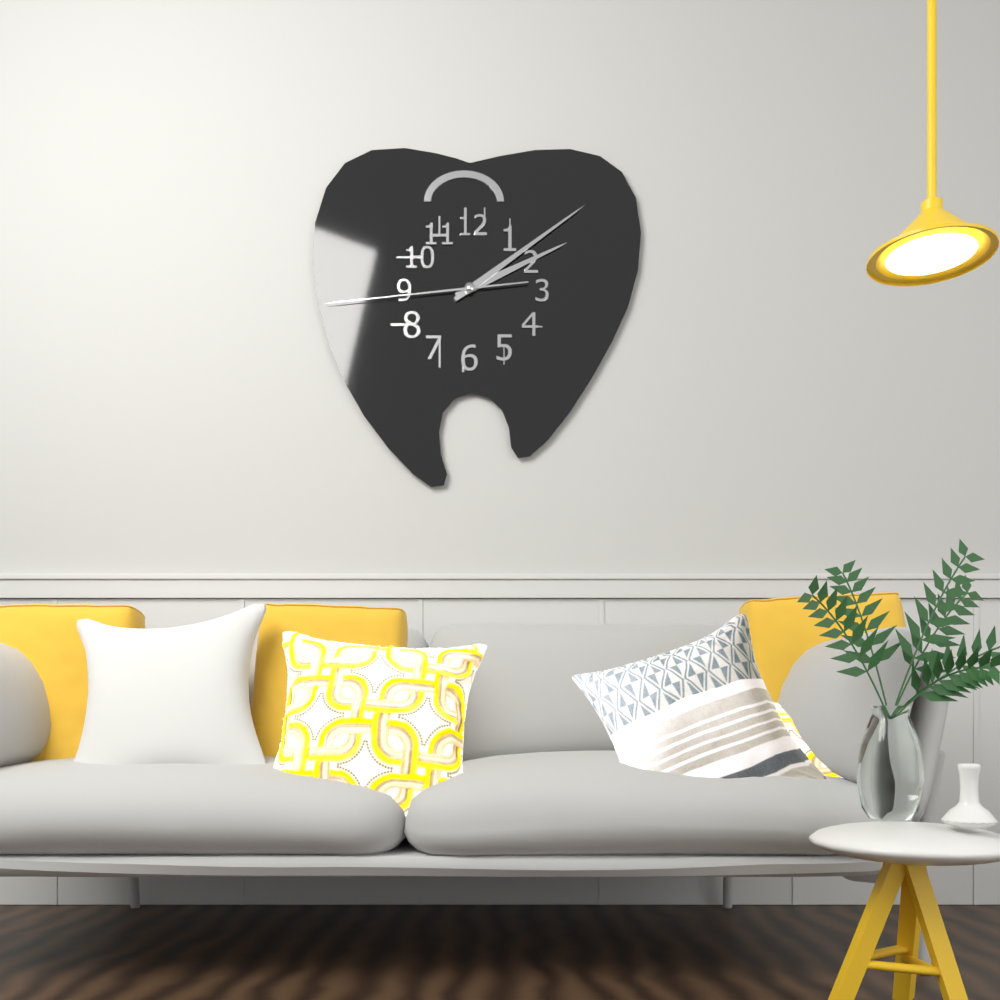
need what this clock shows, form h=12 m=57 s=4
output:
h=2 m=9 s=44
